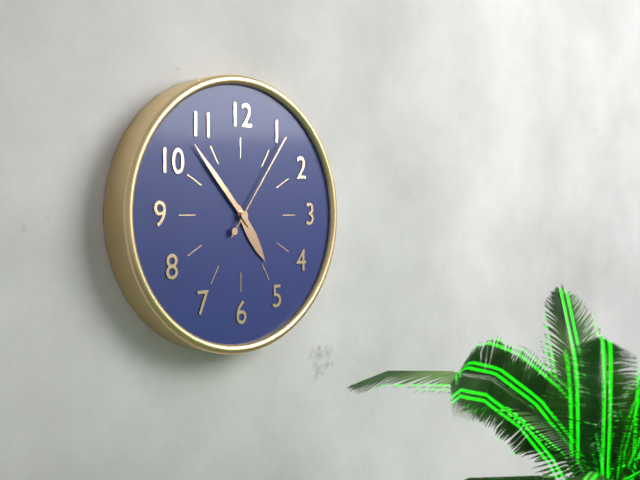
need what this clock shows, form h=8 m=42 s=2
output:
h=4 m=53 s=6
